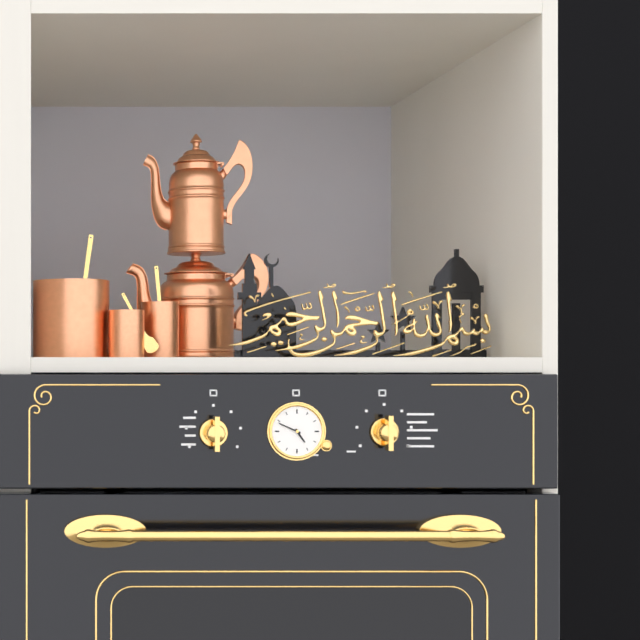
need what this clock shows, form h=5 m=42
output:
h=4 m=49
